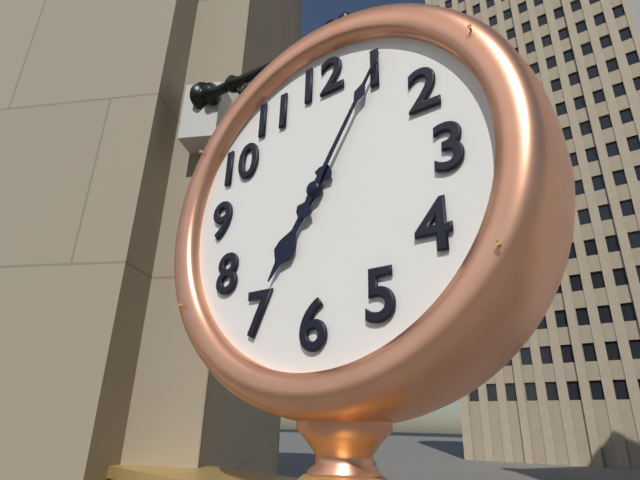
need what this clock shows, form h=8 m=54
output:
h=7 m=5
